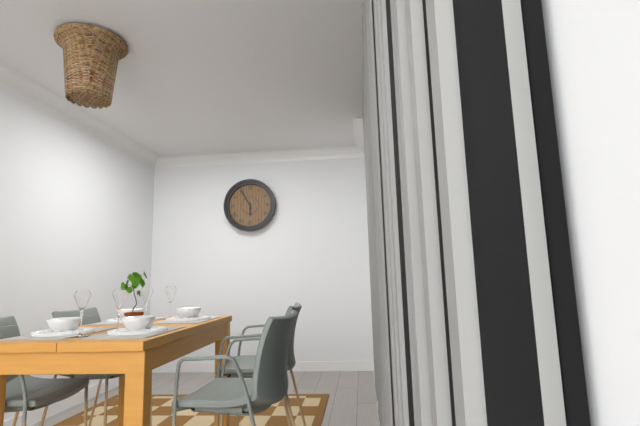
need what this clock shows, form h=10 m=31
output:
h=5 m=55
